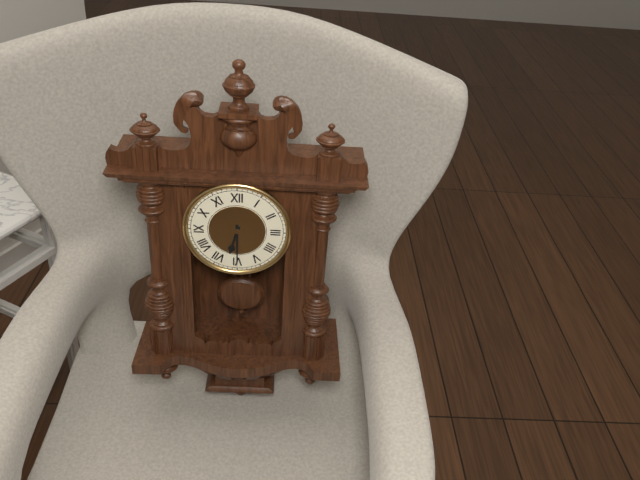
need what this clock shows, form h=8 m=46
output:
h=6 m=30
